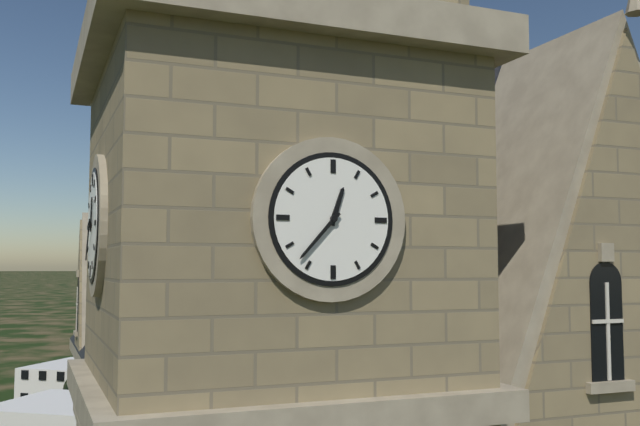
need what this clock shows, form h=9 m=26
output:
h=12 m=37
